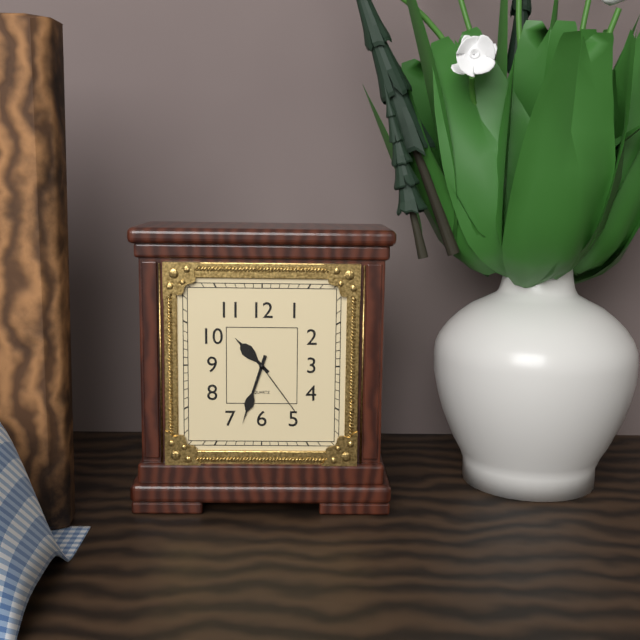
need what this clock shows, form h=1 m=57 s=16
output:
h=10 m=33 s=24
